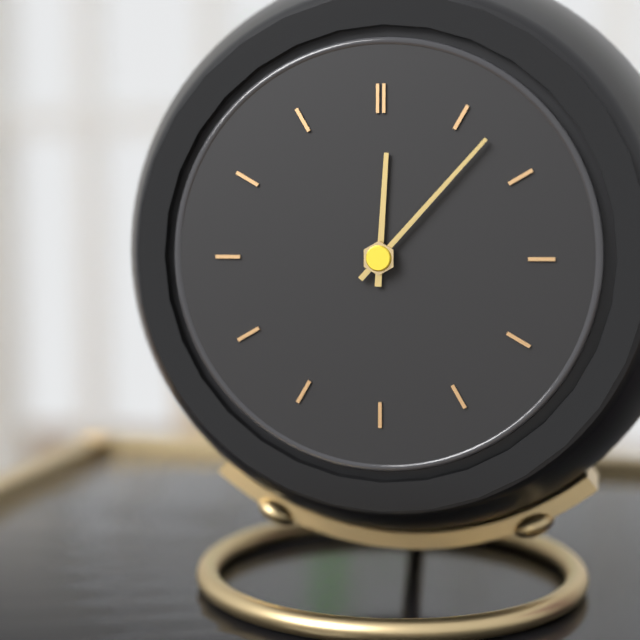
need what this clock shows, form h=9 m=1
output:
h=12 m=7
